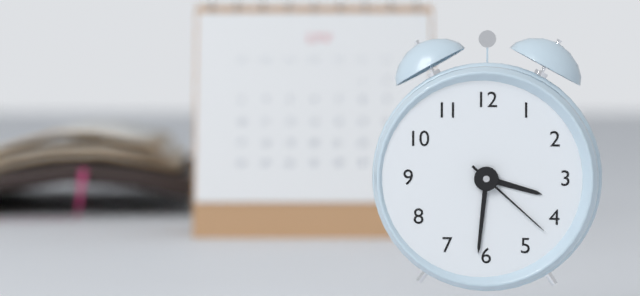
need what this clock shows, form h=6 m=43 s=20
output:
h=3 m=31 s=22
